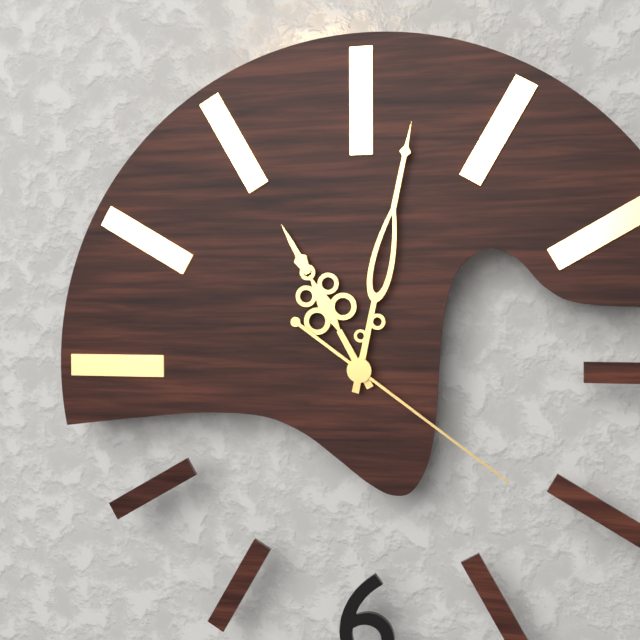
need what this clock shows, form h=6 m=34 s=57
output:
h=11 m=2 s=21
